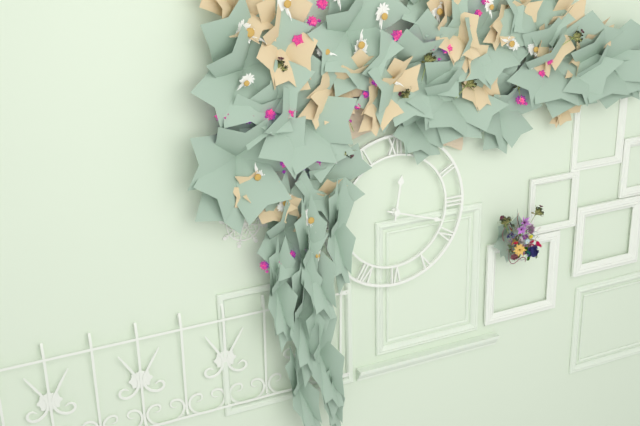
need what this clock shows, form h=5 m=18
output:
h=12 m=18
